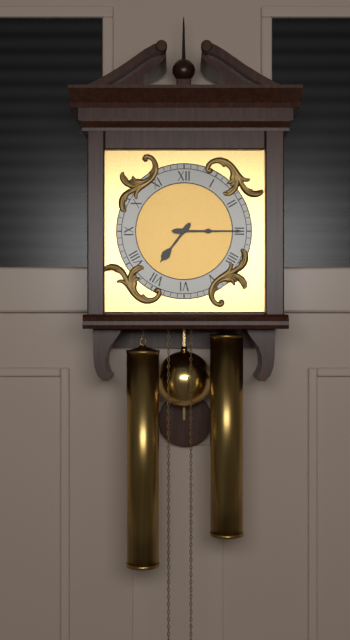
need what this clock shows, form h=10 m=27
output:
h=7 m=15
